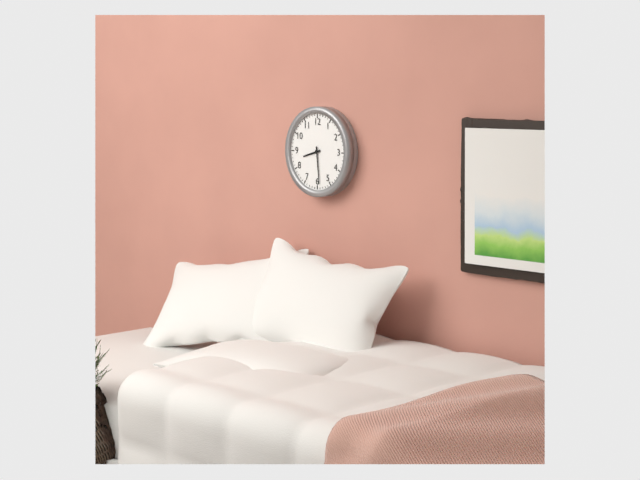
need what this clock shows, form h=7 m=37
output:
h=8 m=29
